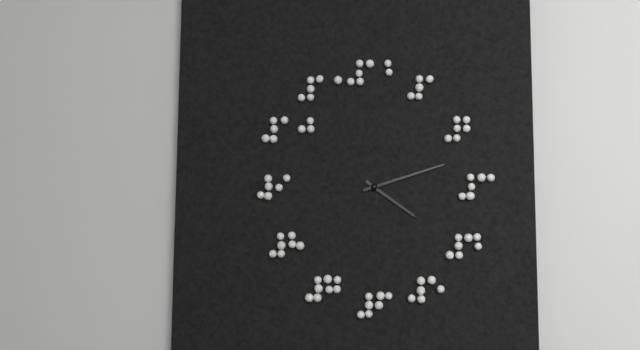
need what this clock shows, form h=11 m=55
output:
h=4 m=12
